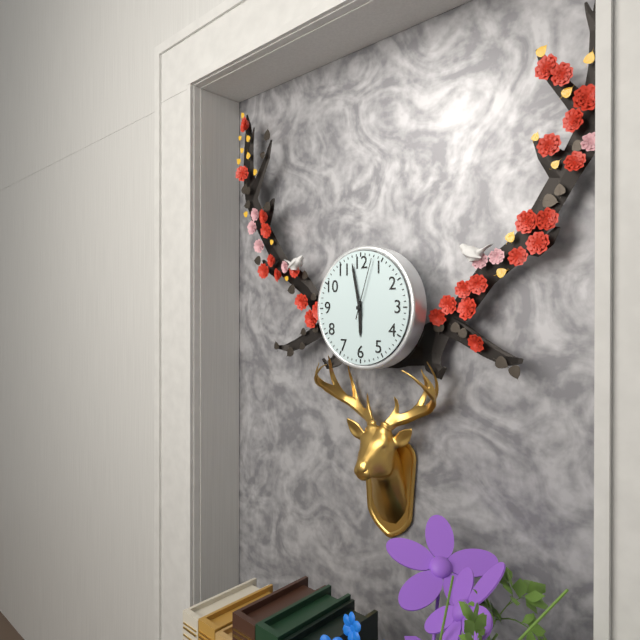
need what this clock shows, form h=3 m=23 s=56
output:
h=5 m=58 s=3
